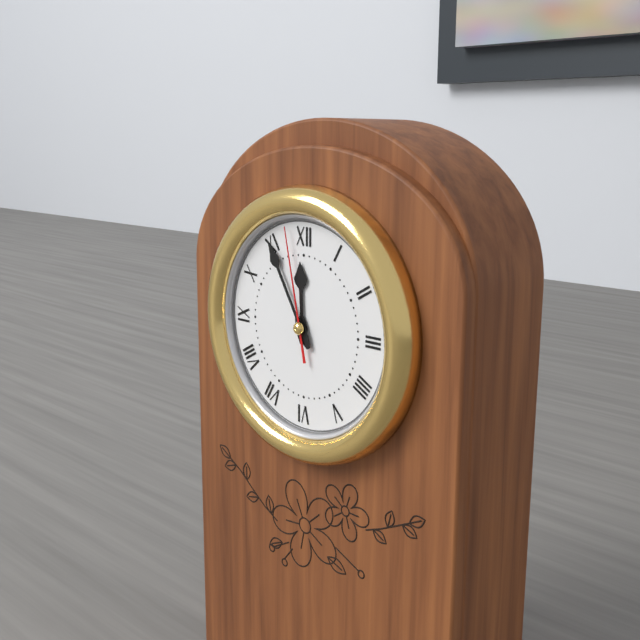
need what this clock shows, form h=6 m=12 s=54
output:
h=11 m=55 s=58
